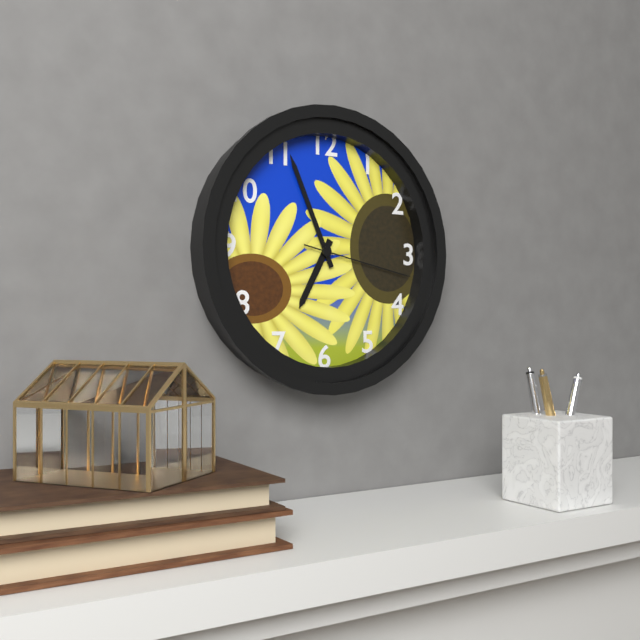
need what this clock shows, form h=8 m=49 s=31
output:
h=6 m=56 s=17
